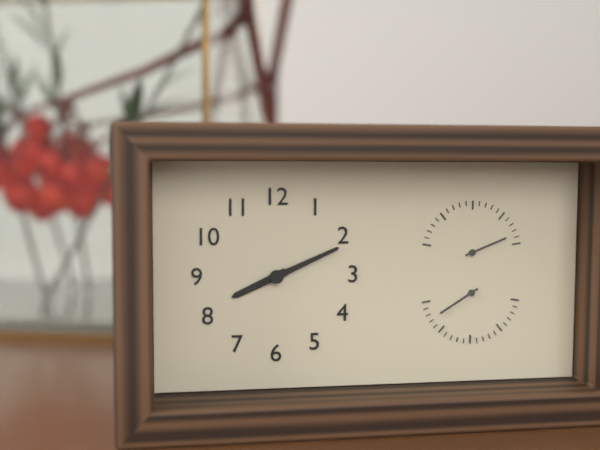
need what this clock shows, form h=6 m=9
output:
h=8 m=11
